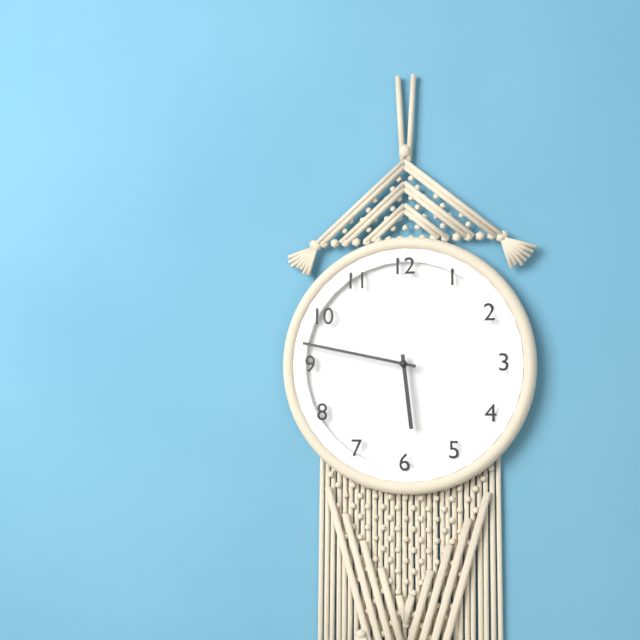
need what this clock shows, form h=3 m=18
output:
h=5 m=47
